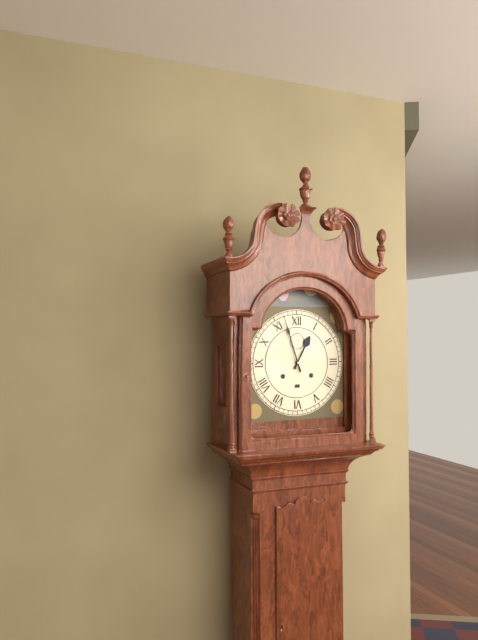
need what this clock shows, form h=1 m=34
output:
h=12 m=57
